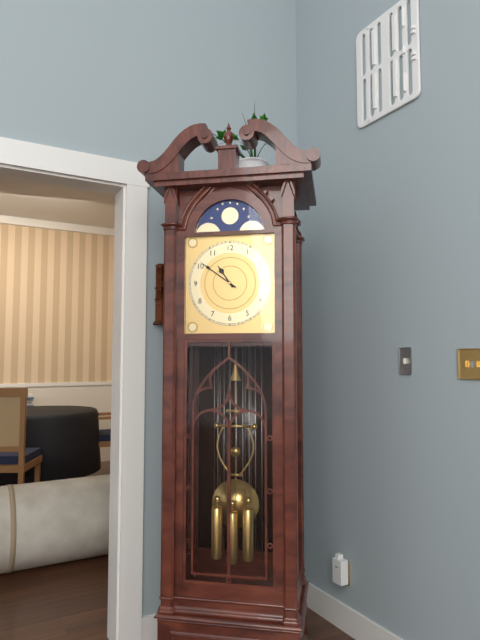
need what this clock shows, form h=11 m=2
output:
h=10 m=51
